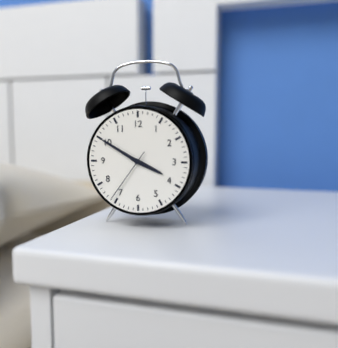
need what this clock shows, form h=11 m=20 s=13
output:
h=3 m=50 s=36
